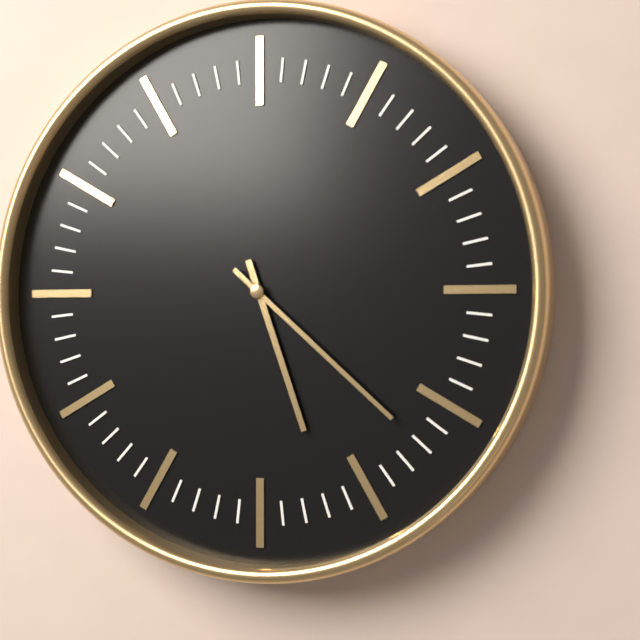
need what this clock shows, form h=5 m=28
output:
h=5 m=22
